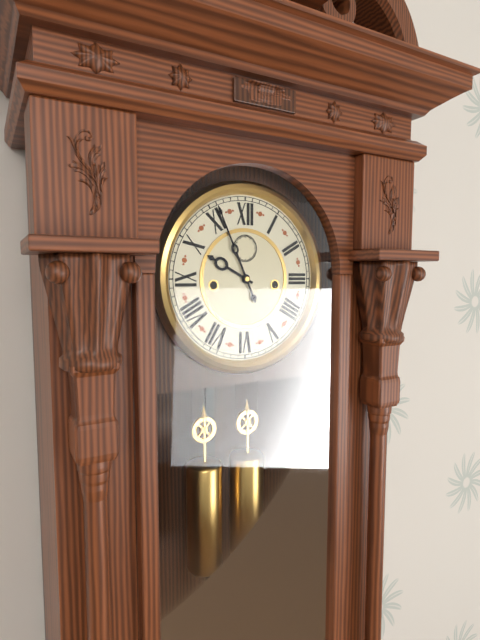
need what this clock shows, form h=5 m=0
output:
h=9 m=56
